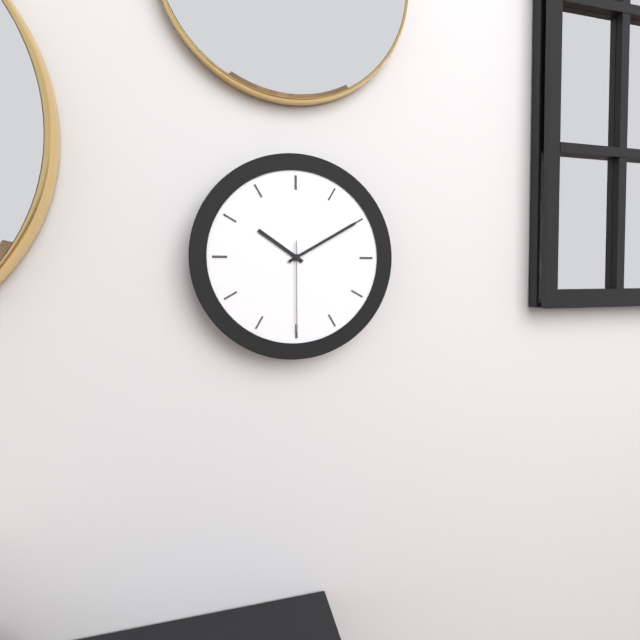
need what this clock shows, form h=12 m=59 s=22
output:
h=10 m=10 s=30
